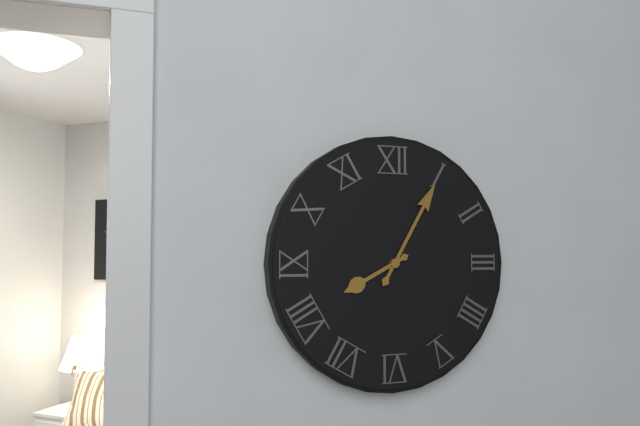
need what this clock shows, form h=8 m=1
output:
h=8 m=5
